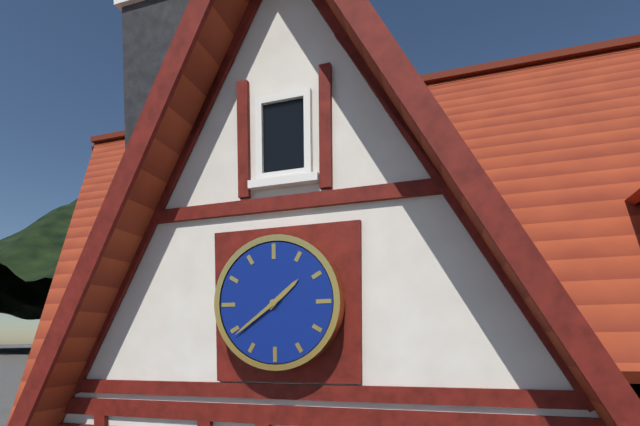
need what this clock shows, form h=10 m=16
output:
h=1 m=39
